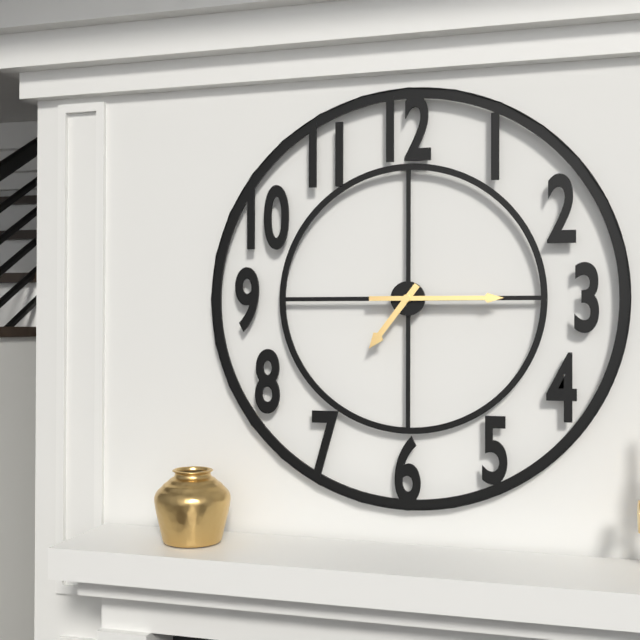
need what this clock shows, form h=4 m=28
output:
h=7 m=15
